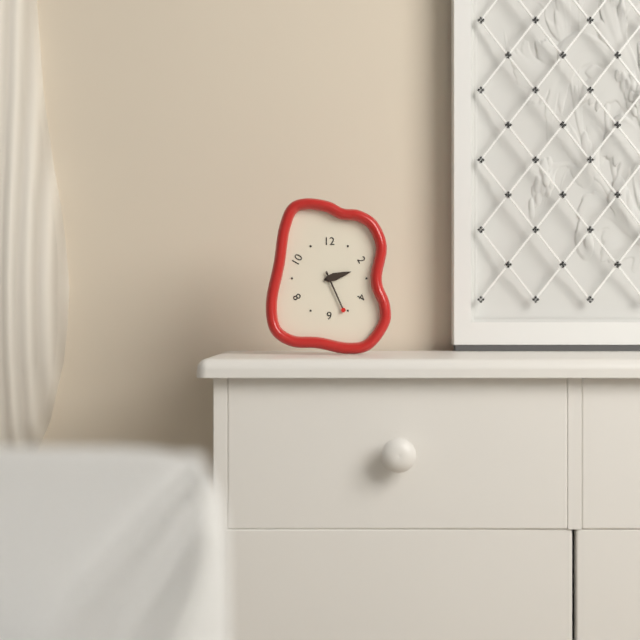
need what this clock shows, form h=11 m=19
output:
h=2 m=26
